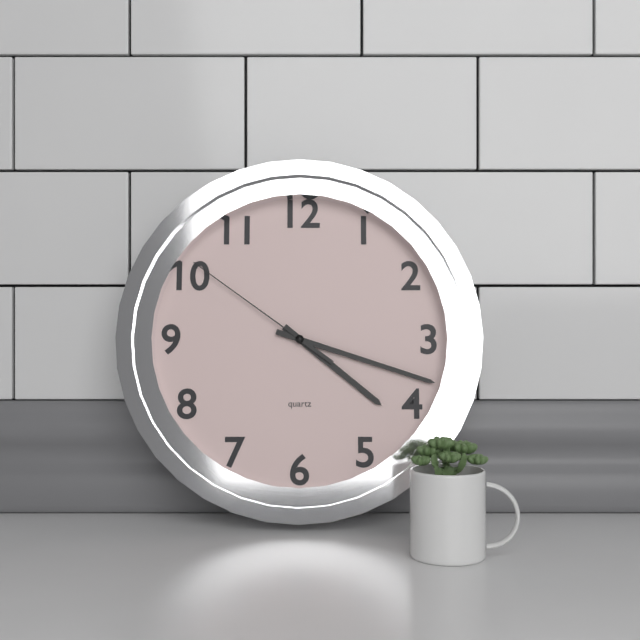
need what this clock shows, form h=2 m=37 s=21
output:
h=4 m=18 s=51
